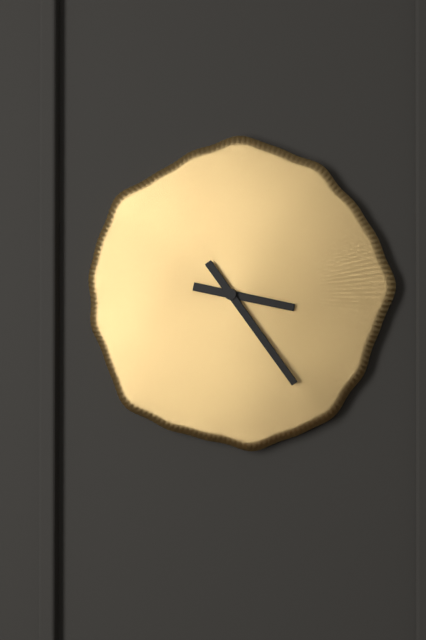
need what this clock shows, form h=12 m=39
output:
h=3 m=24
